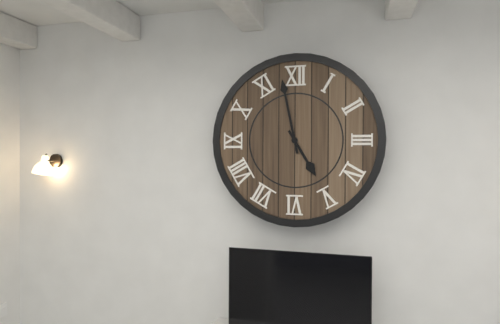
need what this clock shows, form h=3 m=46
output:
h=4 m=58
